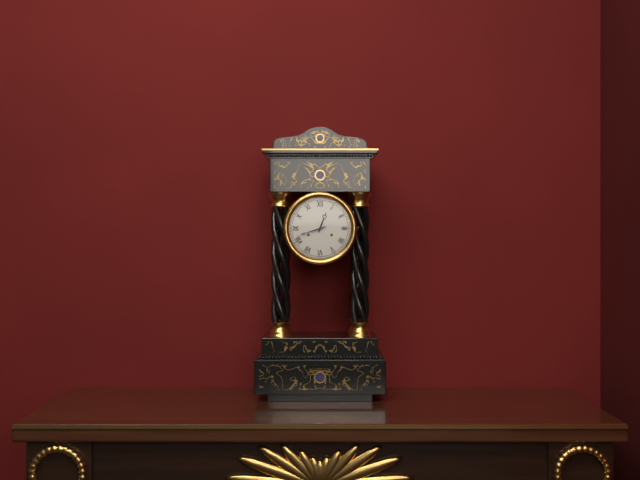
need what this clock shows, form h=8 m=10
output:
h=12 m=42
